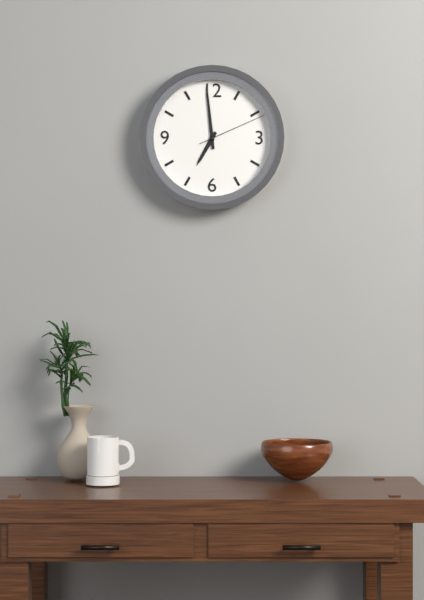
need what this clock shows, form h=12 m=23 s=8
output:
h=6 m=59 s=11
